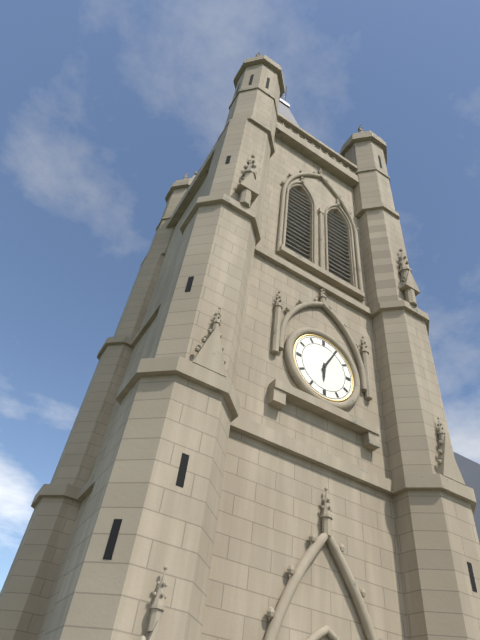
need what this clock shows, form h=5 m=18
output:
h=6 m=5
